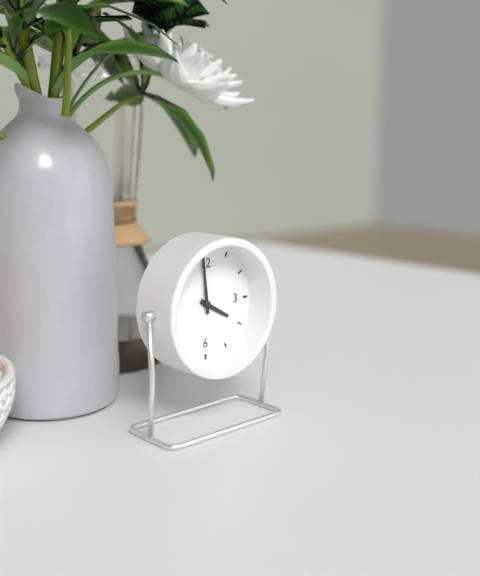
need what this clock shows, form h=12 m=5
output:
h=3 m=59
